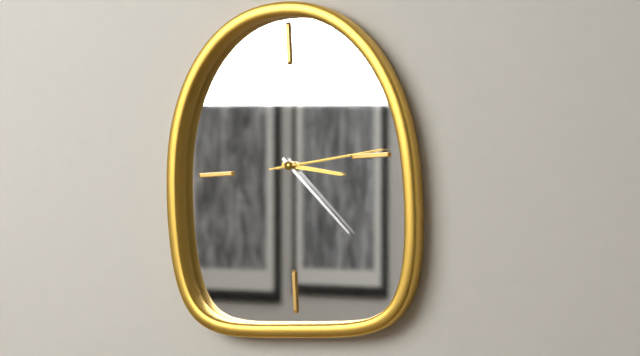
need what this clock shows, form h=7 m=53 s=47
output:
h=3 m=23 s=14
